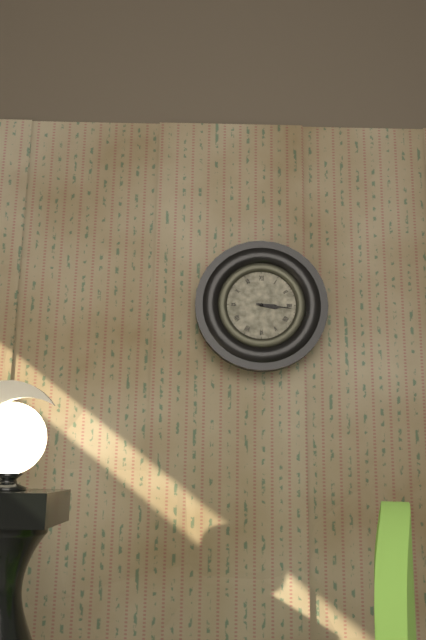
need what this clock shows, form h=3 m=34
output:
h=3 m=16
